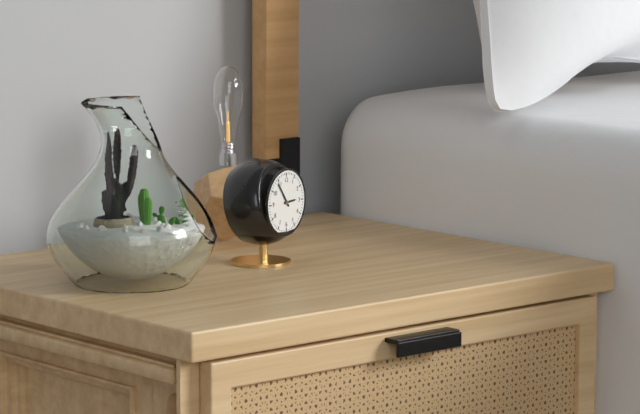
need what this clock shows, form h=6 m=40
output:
h=2 m=54
